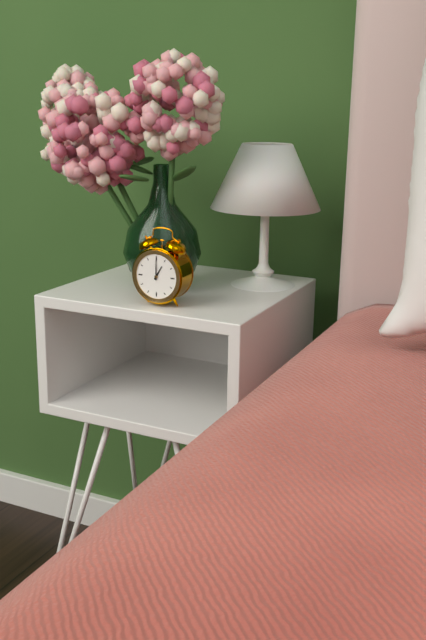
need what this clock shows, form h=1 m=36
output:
h=1 m=0
